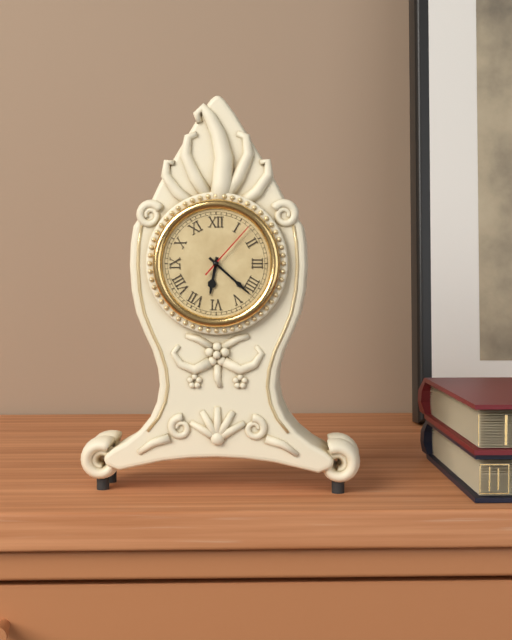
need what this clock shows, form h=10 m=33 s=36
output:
h=6 m=22 s=7
